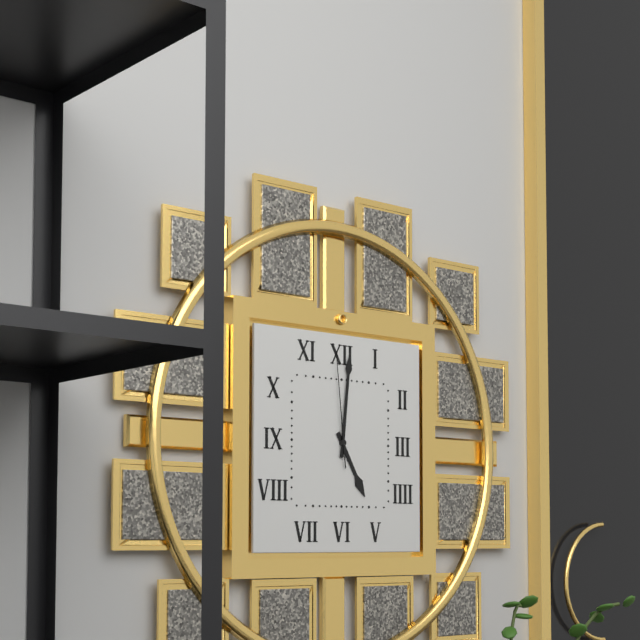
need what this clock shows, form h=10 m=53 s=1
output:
h=5 m=1 s=59
